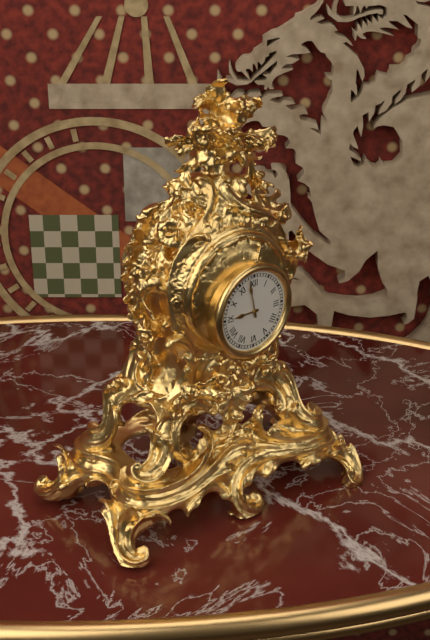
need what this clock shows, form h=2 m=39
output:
h=8 m=58
